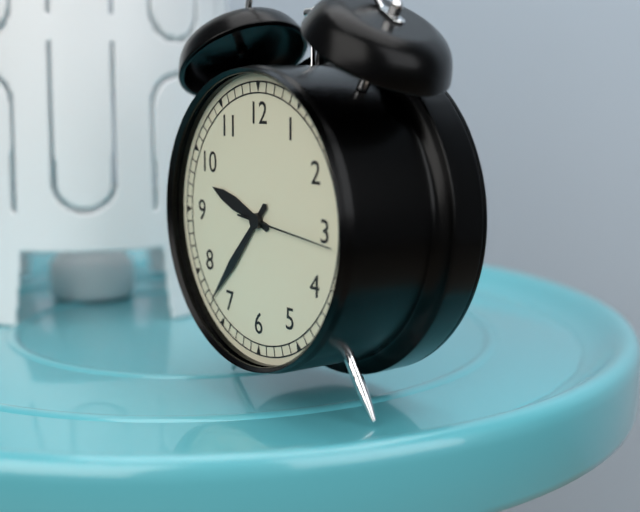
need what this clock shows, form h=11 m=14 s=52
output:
h=9 m=37 s=16
